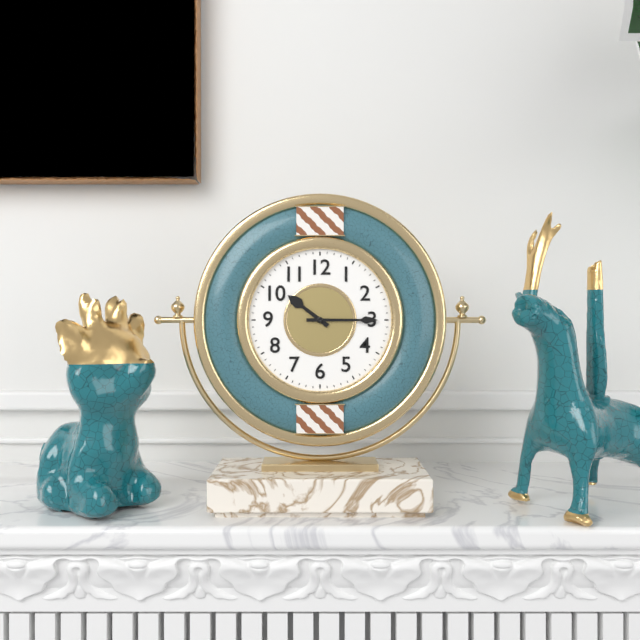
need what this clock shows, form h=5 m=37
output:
h=10 m=15
